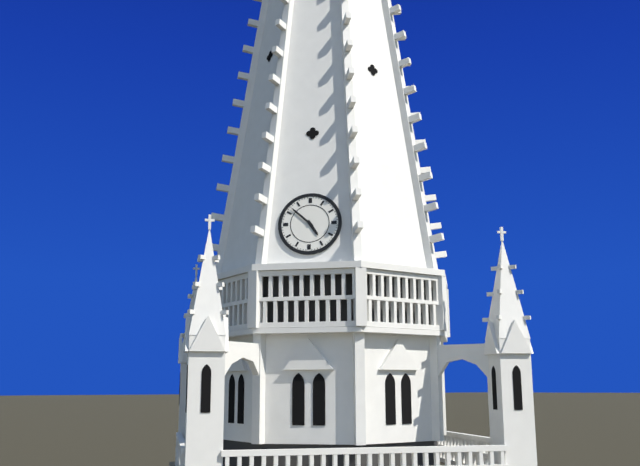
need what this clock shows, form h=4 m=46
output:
h=4 m=52
